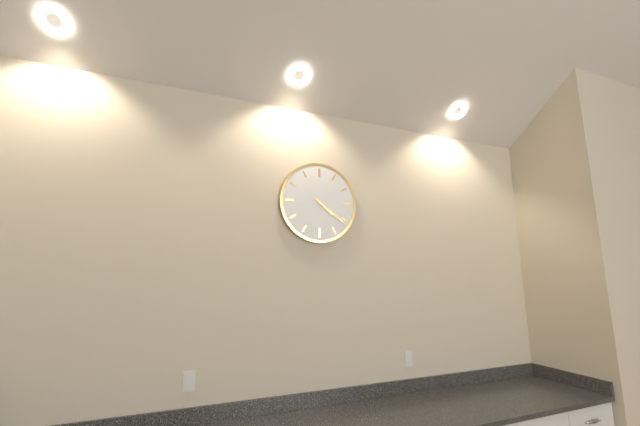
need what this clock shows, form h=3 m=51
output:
h=4 m=21
